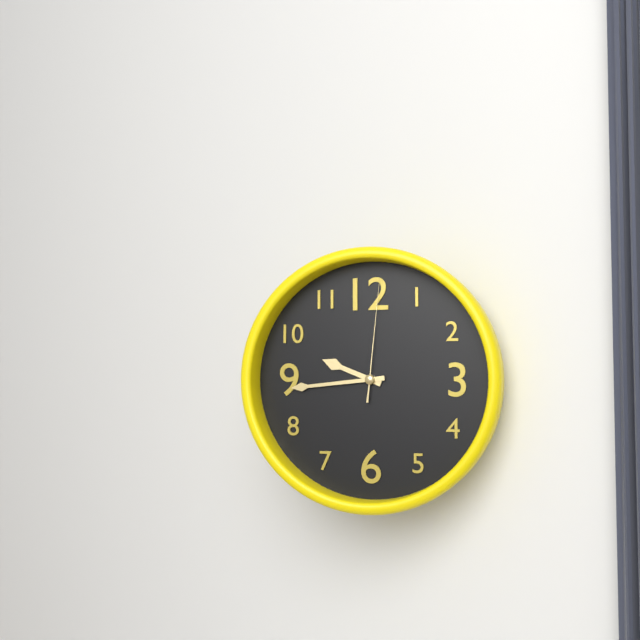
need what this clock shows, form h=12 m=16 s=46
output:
h=9 m=44 s=1
